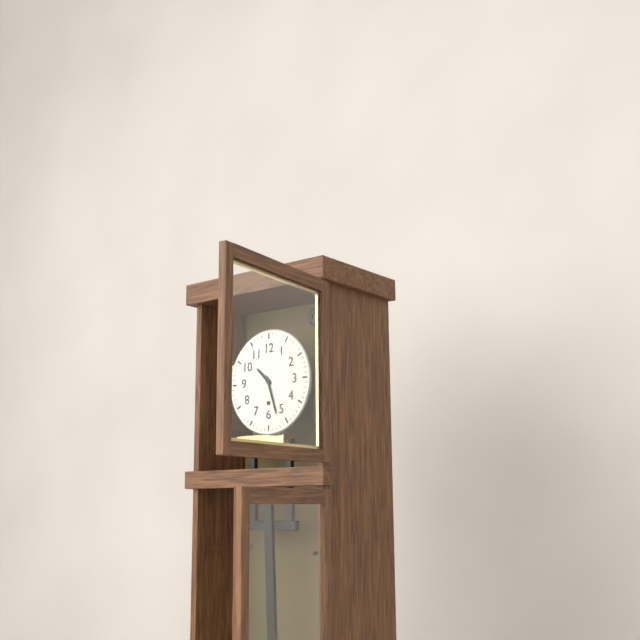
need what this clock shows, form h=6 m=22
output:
h=10 m=27
